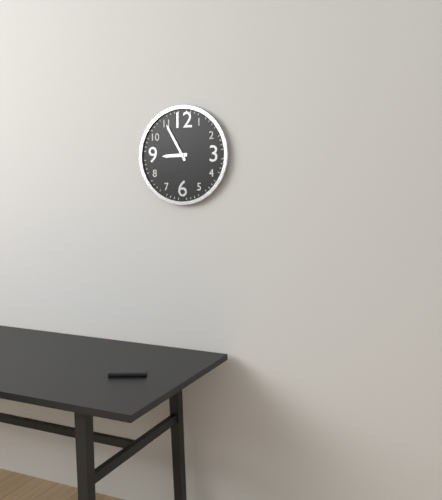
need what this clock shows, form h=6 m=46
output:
h=8 m=55
